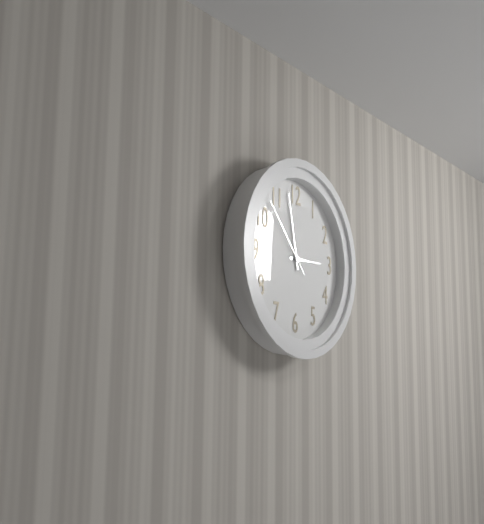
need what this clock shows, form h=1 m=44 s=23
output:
h=2 m=58 s=53
